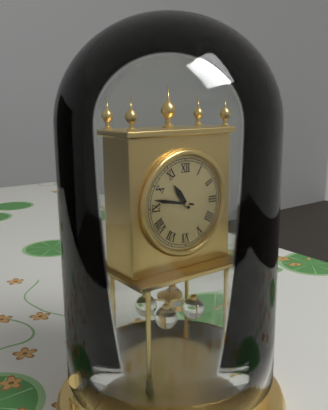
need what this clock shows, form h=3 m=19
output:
h=10 m=47
